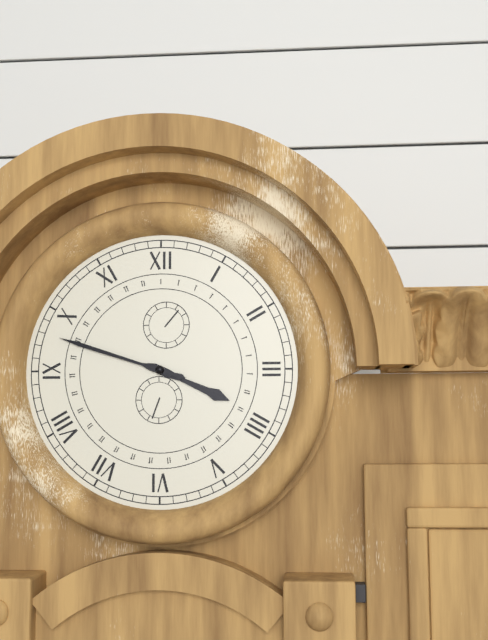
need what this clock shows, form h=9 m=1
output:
h=3 m=48
